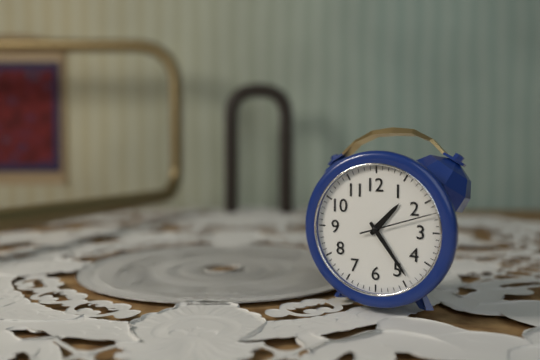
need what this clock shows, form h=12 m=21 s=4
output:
h=1 m=24 s=12
